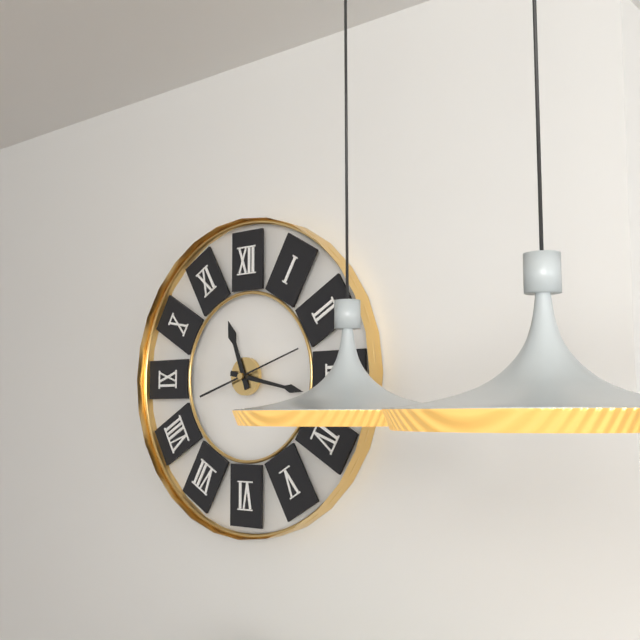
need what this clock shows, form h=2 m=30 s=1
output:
h=11 m=17 s=12
